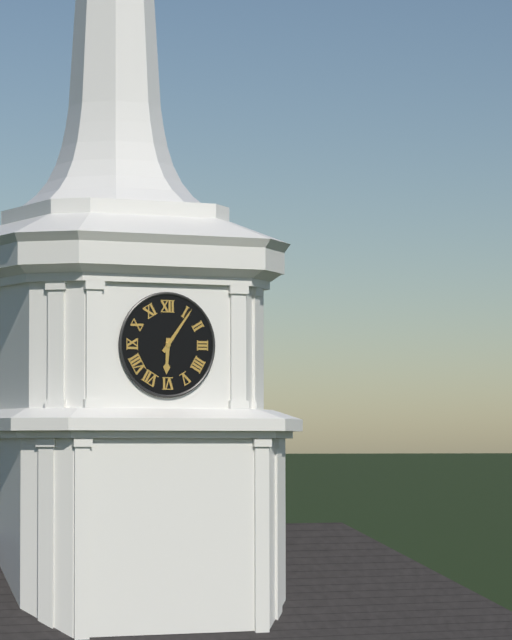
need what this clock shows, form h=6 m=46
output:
h=6 m=6
